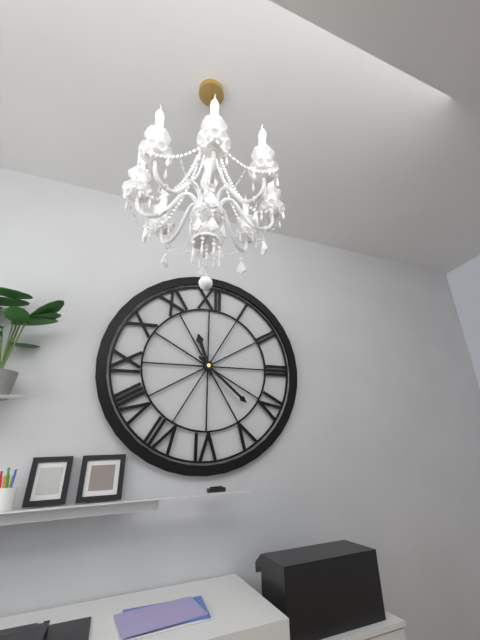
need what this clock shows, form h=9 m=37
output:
h=11 m=22
